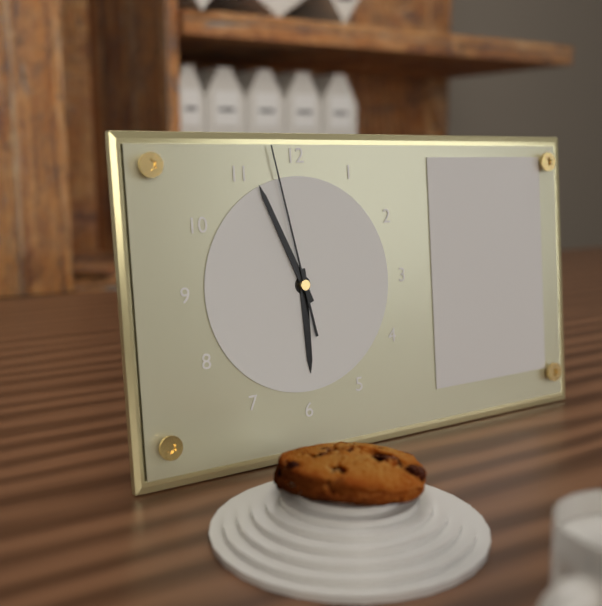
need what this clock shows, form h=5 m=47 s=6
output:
h=5 m=56 s=58
